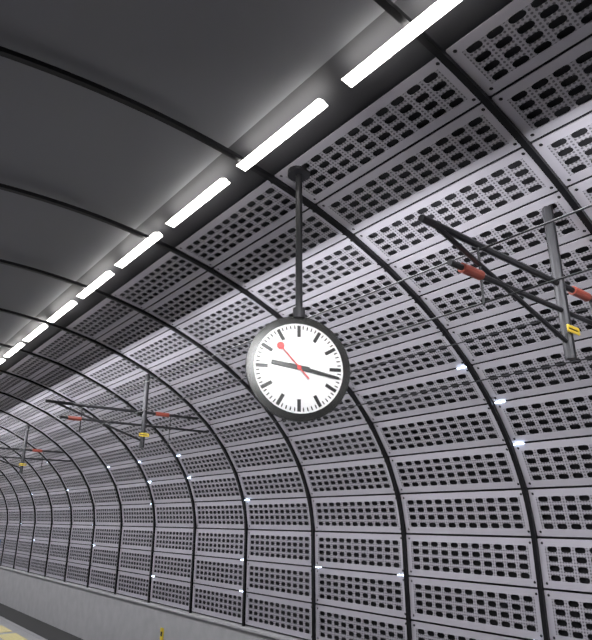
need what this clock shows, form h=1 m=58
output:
h=9 m=17
